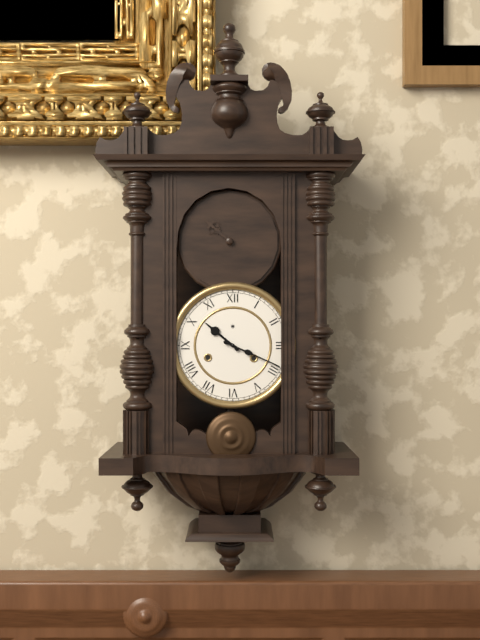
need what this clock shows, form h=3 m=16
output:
h=10 m=19
